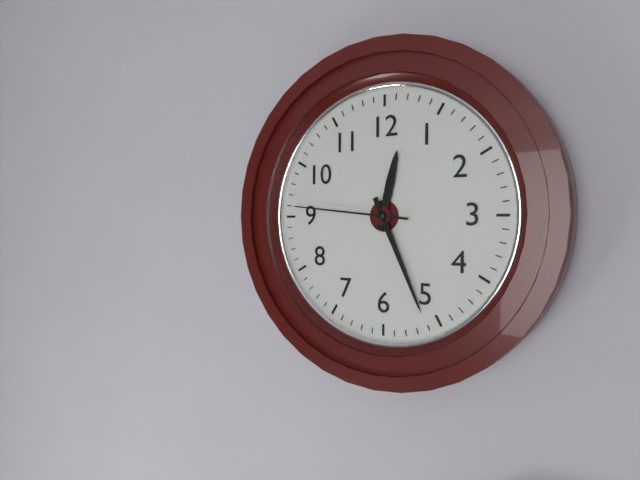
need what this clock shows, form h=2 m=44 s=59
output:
h=12 m=26 s=46
